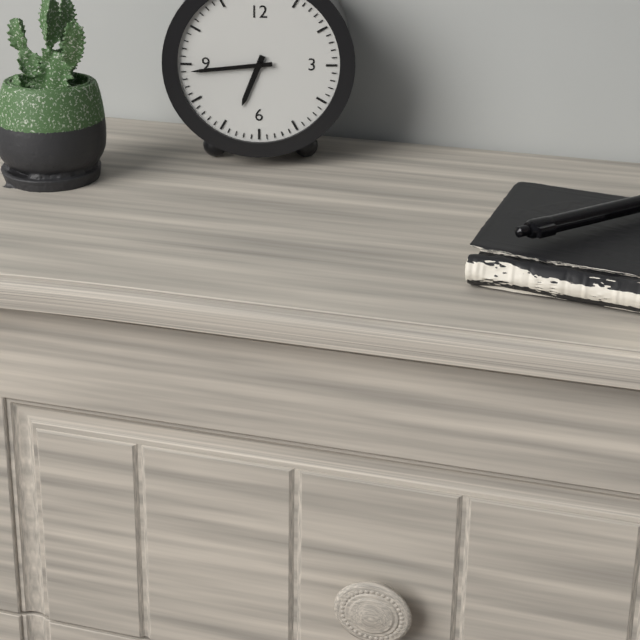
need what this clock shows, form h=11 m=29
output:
h=6 m=44
